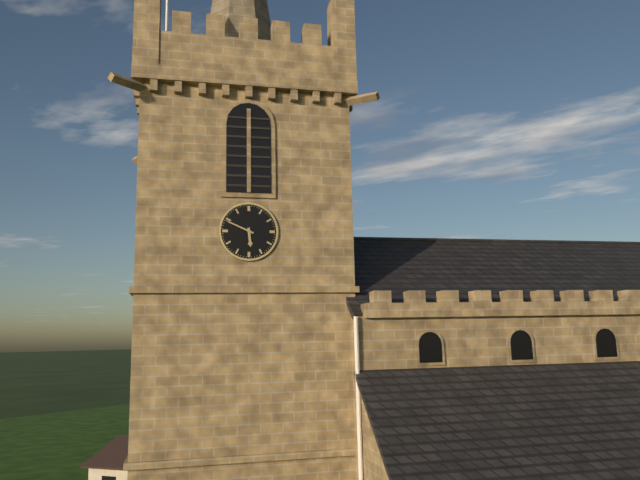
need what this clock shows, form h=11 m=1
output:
h=5 m=49
